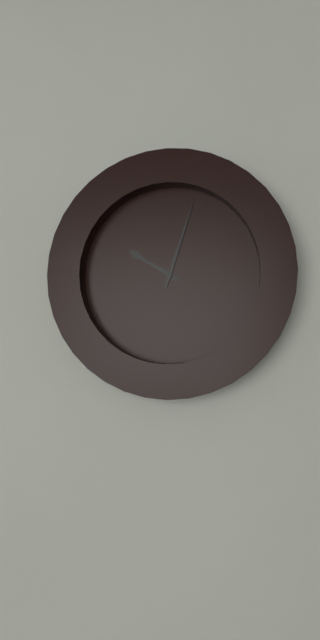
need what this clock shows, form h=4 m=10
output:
h=10 m=3
